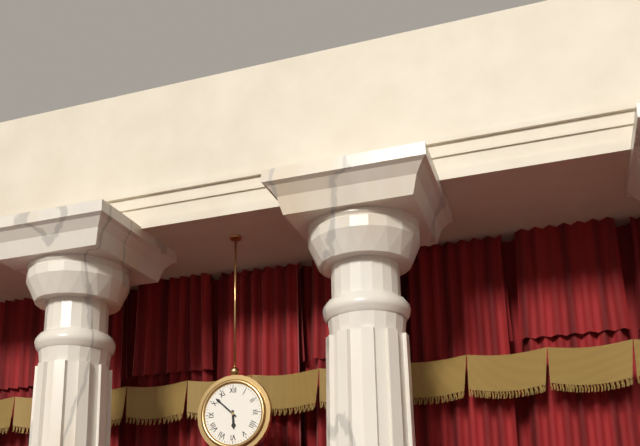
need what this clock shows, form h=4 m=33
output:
h=5 m=52
